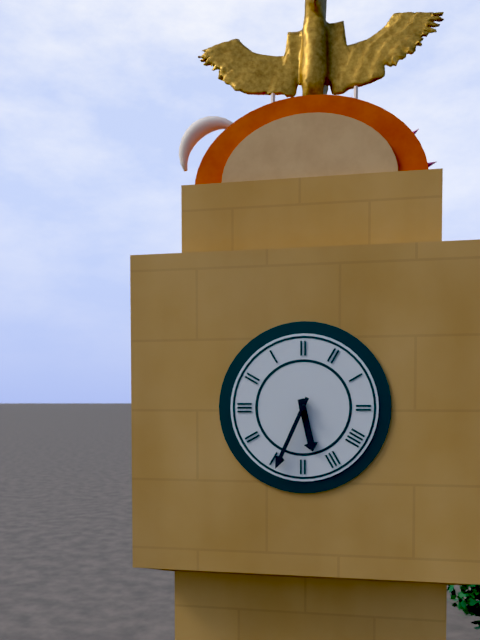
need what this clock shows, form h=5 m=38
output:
h=5 m=34
